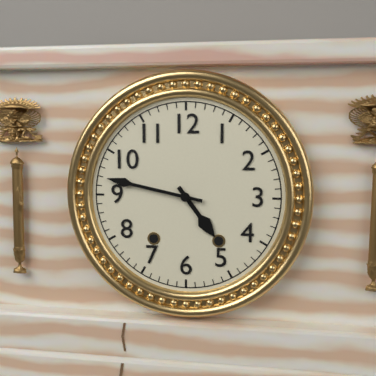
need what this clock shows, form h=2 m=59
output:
h=4 m=47
